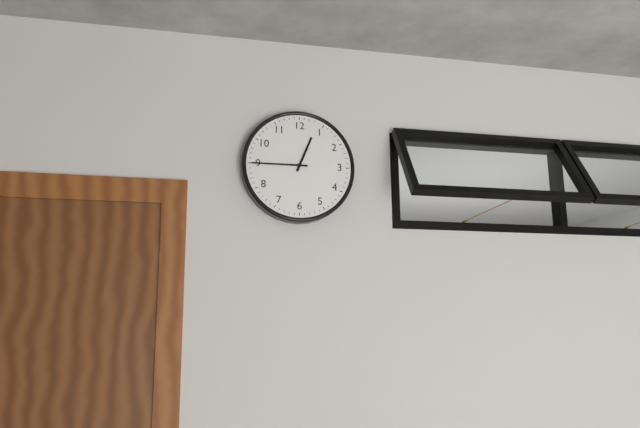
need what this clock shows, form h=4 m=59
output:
h=12 m=45
